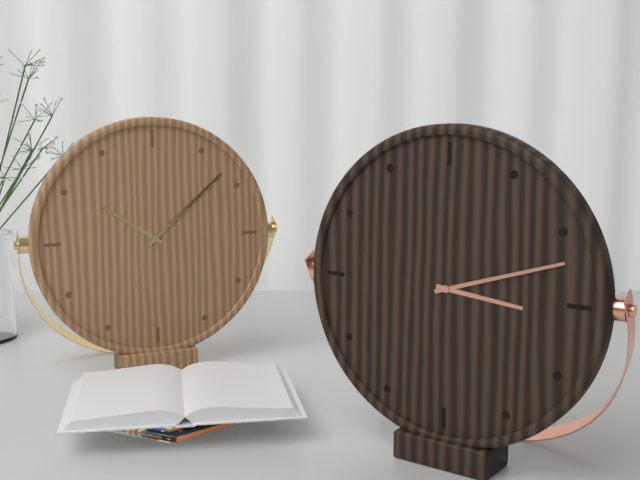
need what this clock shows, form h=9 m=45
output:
h=3 m=12
